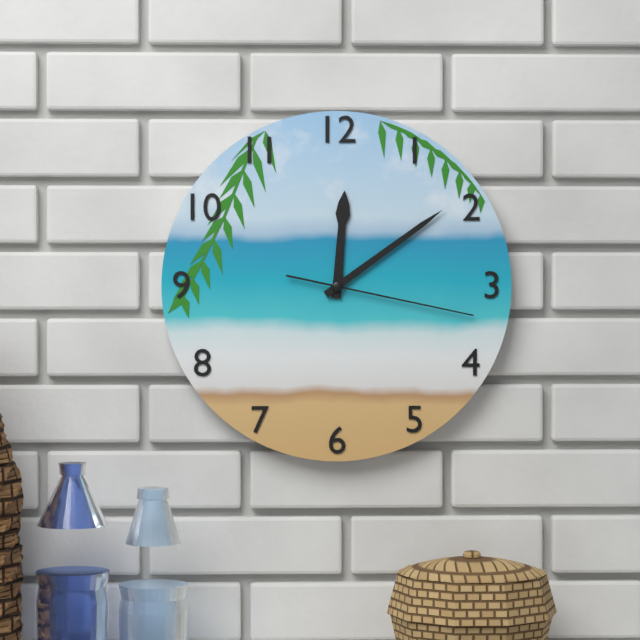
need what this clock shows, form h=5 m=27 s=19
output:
h=12 m=9 s=17
